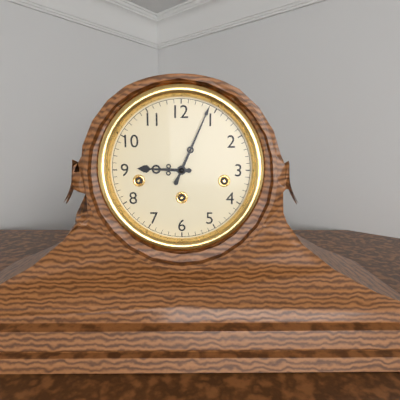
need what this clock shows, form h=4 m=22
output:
h=9 m=4
